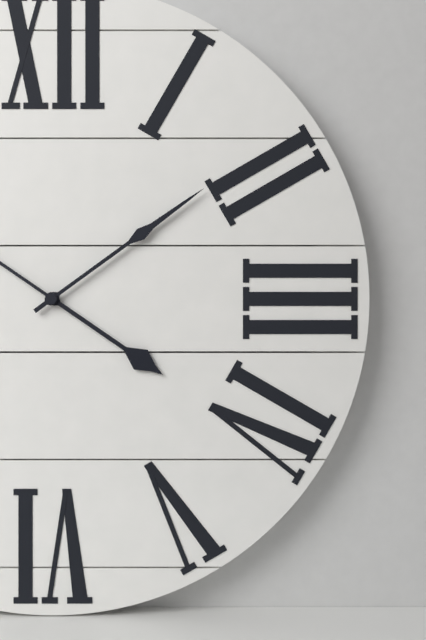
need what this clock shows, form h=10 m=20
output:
h=4 m=9
